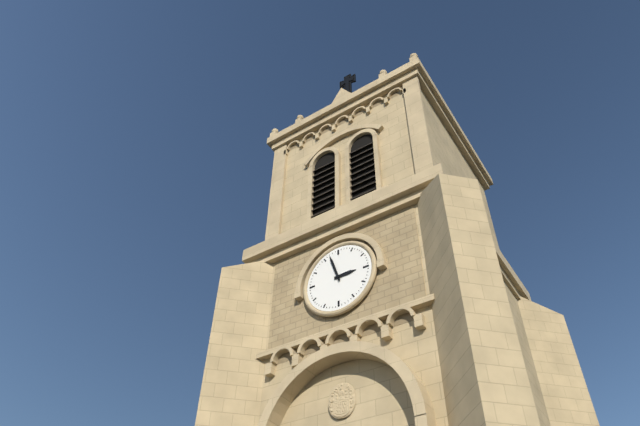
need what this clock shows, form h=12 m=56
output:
h=2 m=57
